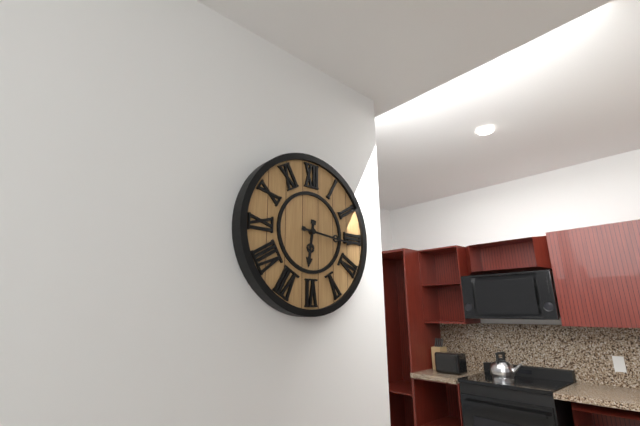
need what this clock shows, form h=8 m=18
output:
h=6 m=16
